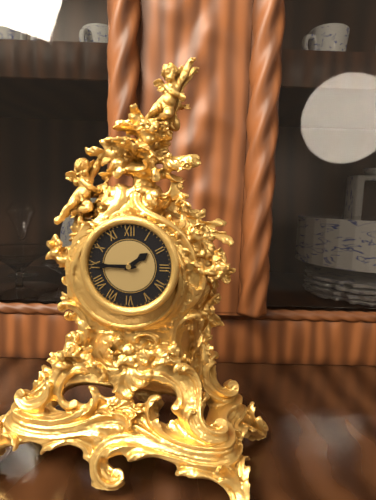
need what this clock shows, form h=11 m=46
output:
h=1 m=45
